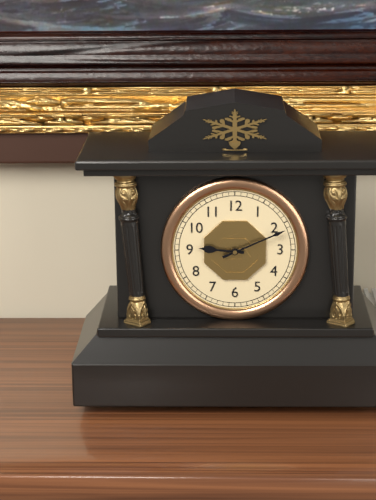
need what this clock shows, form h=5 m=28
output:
h=9 m=11
